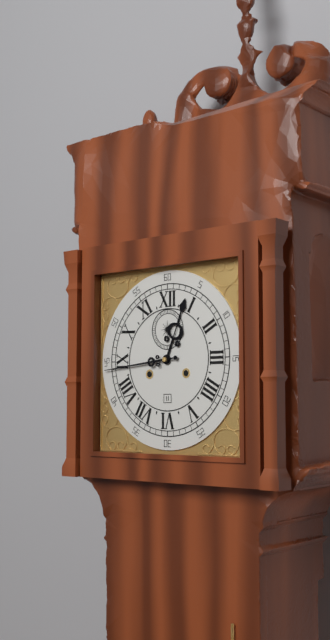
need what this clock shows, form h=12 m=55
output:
h=12 m=44
